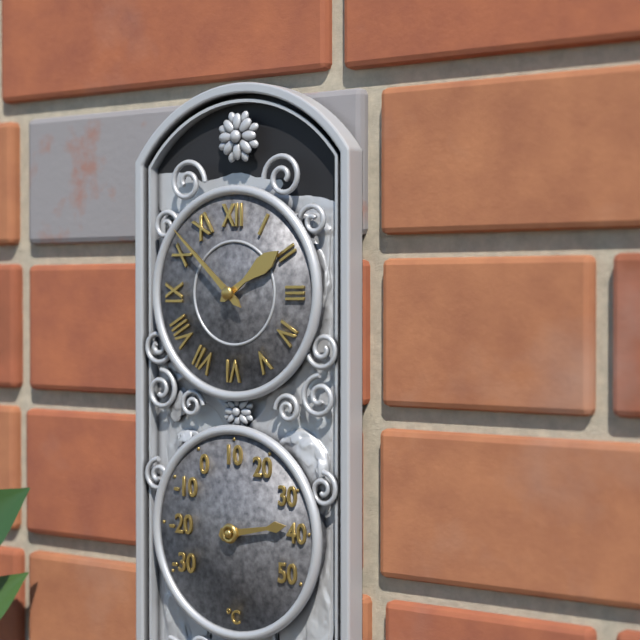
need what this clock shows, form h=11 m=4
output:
h=1 m=52
